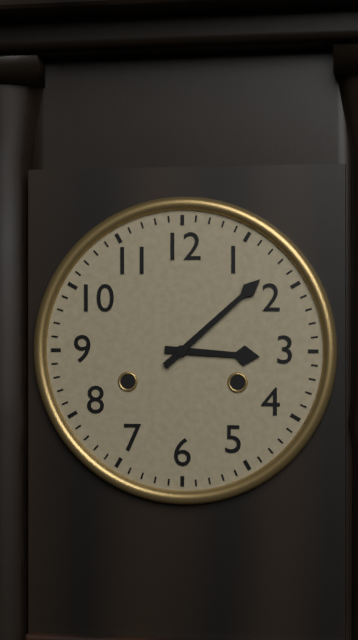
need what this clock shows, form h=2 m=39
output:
h=3 m=8
